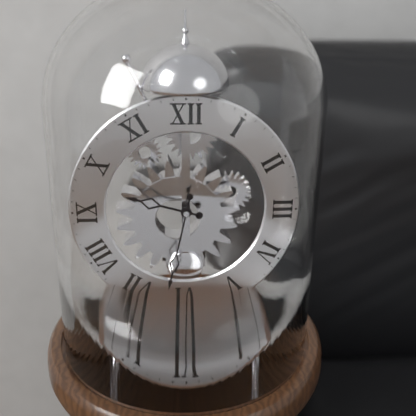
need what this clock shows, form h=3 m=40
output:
h=9 m=32
